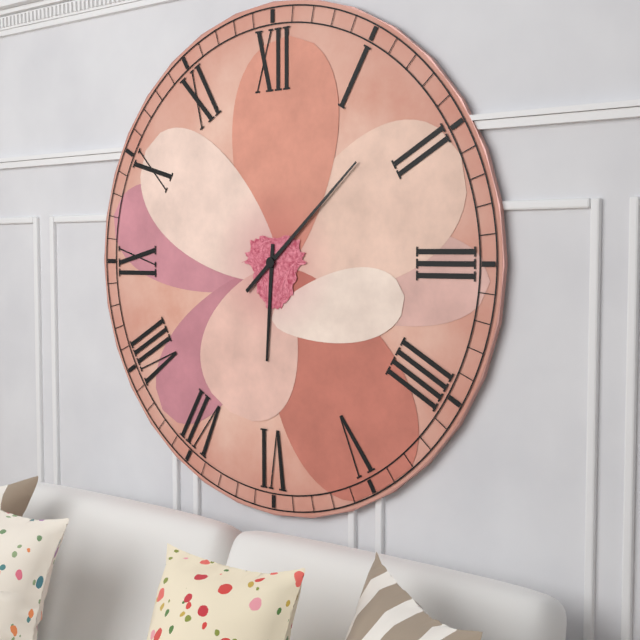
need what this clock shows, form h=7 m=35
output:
h=6 m=8
